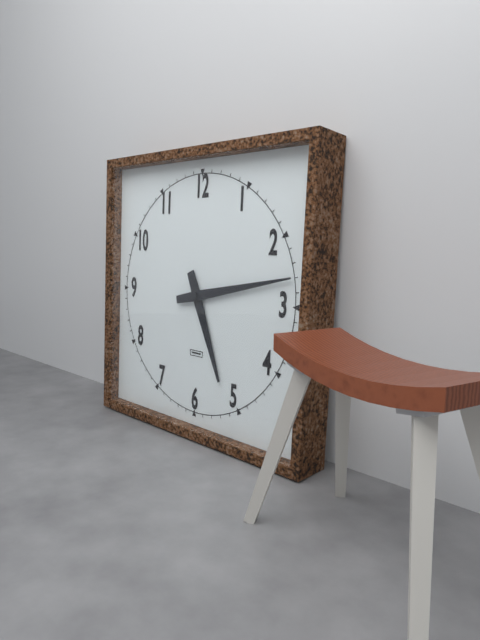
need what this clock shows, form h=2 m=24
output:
h=5 m=13
